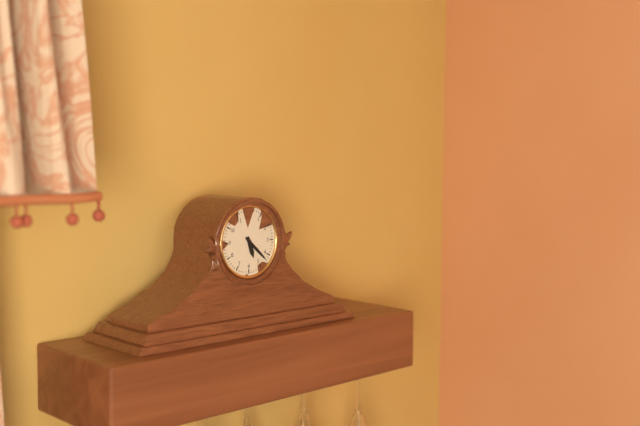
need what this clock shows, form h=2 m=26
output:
h=5 m=22
